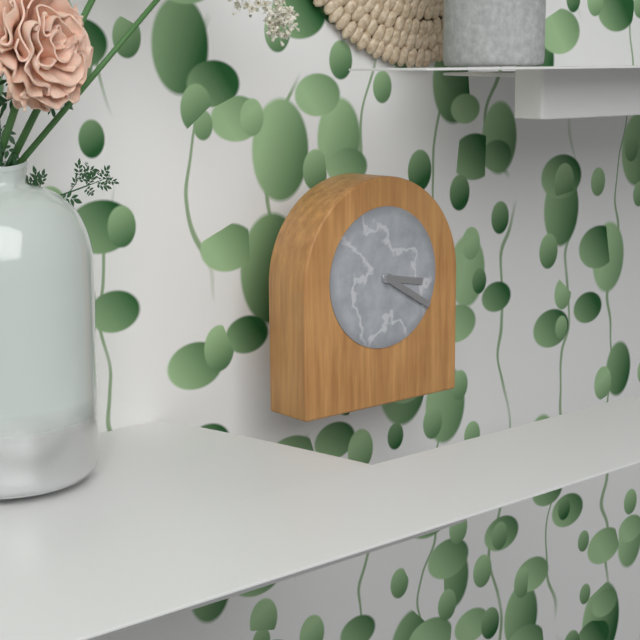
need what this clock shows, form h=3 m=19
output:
h=3 m=20
